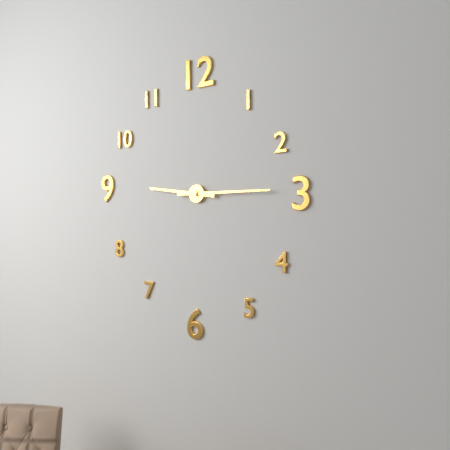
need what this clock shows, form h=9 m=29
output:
h=9 m=15
